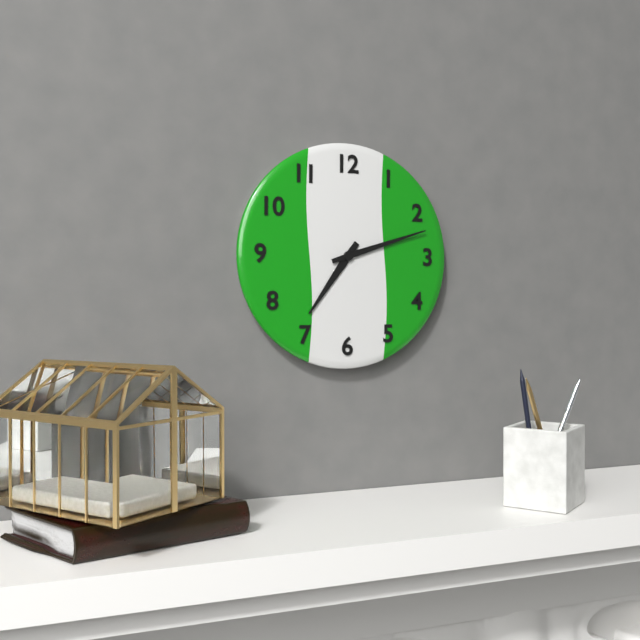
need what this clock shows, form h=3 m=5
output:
h=7 m=12
